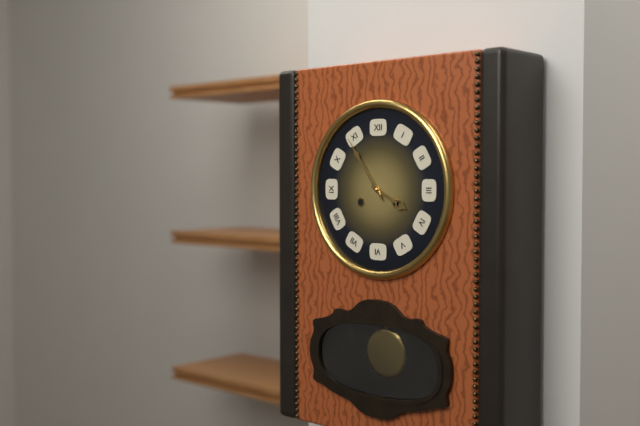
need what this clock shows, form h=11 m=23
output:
h=3 m=54
